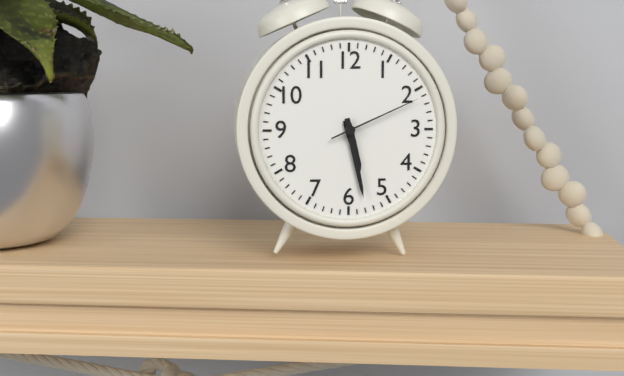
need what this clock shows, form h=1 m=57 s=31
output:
h=5 m=28 s=11
